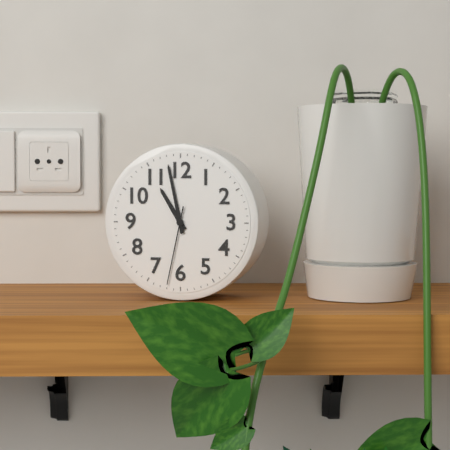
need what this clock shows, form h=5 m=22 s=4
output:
h=10 m=58 s=32
